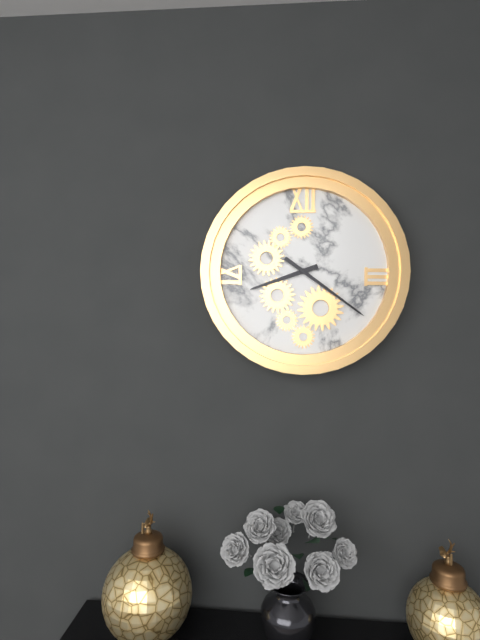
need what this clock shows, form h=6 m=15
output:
h=8 m=21
